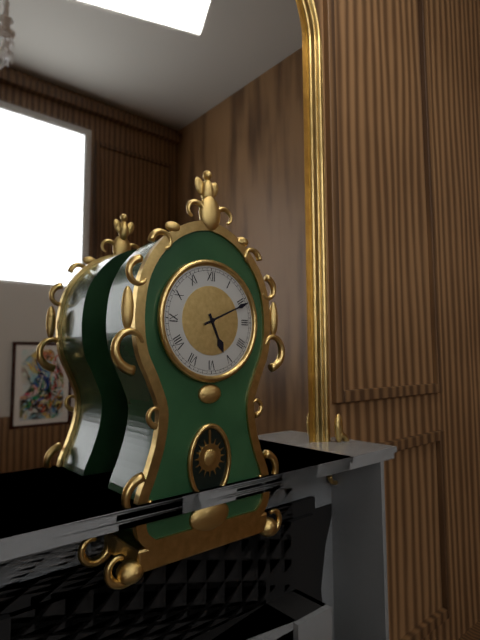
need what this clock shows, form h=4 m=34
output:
h=5 m=11
